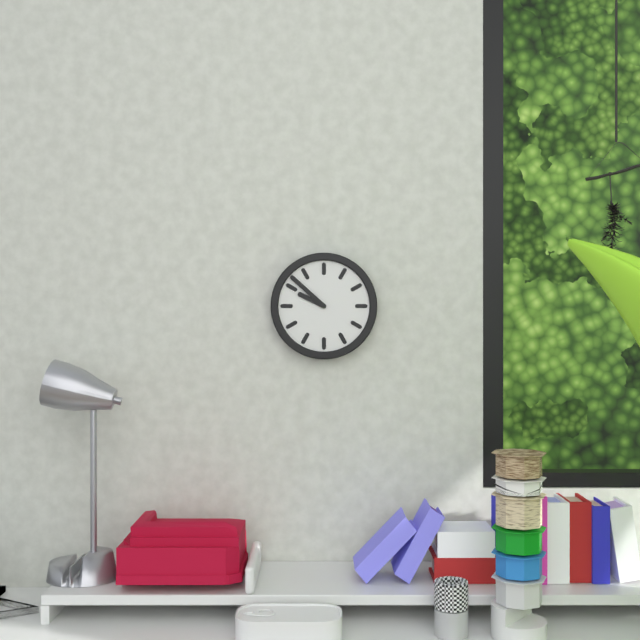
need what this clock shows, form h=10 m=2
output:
h=9 m=52
